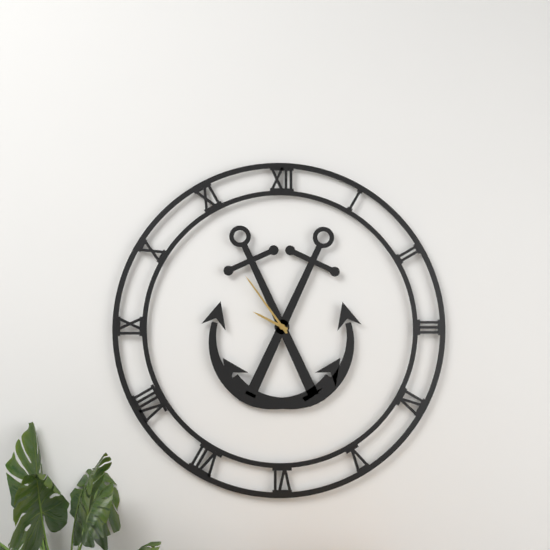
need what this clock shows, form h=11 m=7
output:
h=9 m=54
